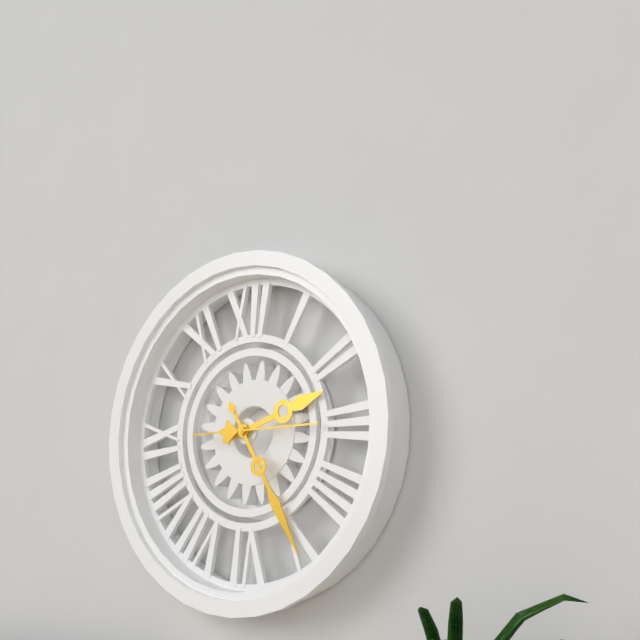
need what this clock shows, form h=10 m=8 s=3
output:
h=2 m=25 s=15
